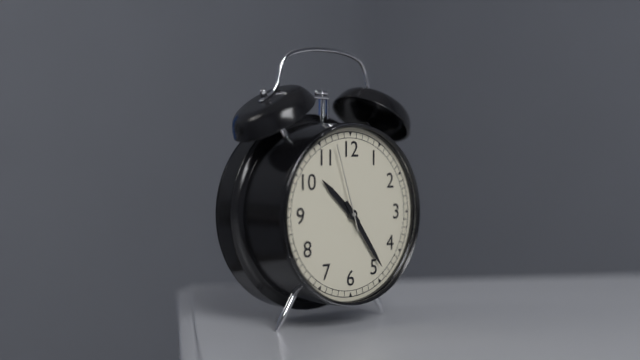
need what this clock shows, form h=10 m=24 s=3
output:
h=10 m=24 s=57
